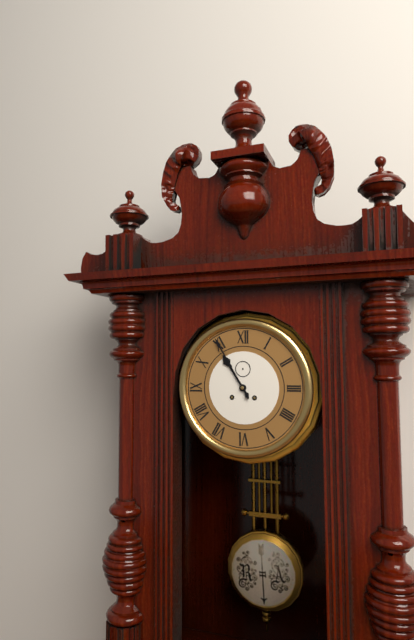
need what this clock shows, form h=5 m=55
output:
h=10 m=55
